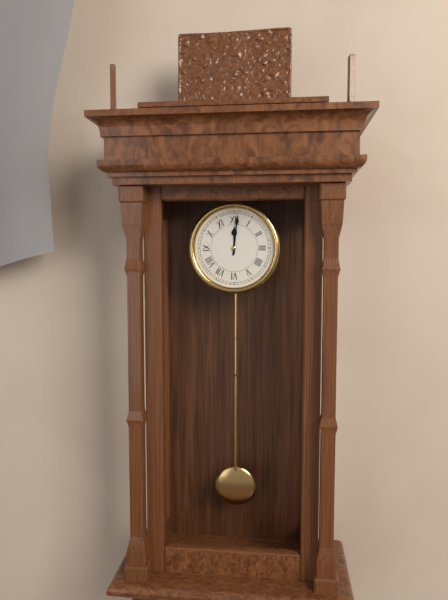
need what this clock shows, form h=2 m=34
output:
h=12 m=1
